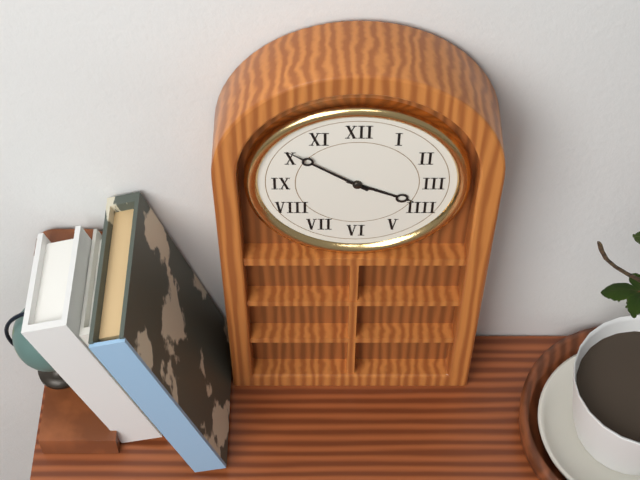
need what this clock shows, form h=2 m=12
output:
h=3 m=51
